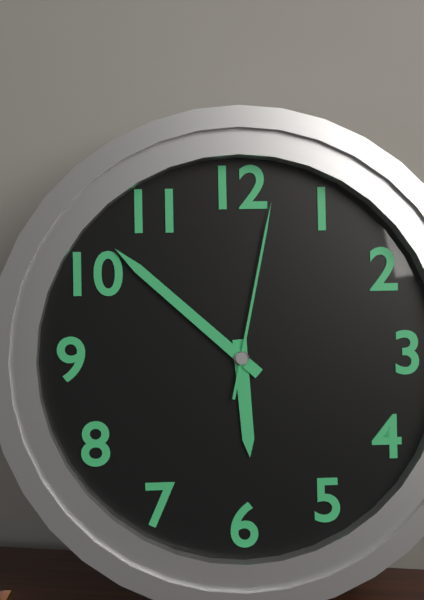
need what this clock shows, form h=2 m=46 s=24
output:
h=5 m=52 s=2
